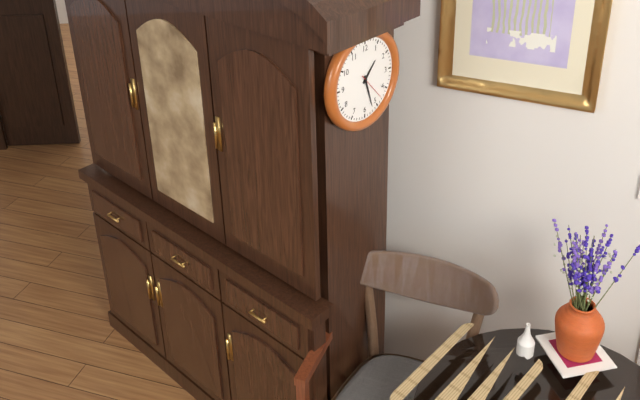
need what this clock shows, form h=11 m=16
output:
h=1 m=27
